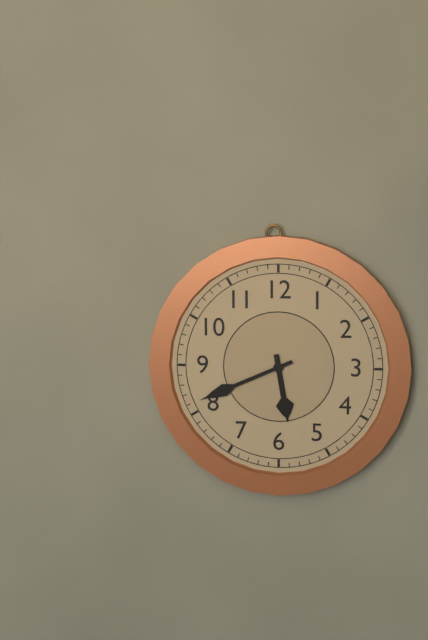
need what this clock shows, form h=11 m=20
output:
h=5 m=41
